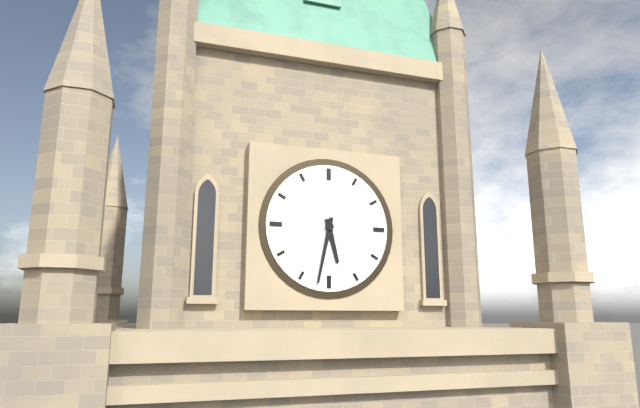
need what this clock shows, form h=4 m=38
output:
h=5 m=32
